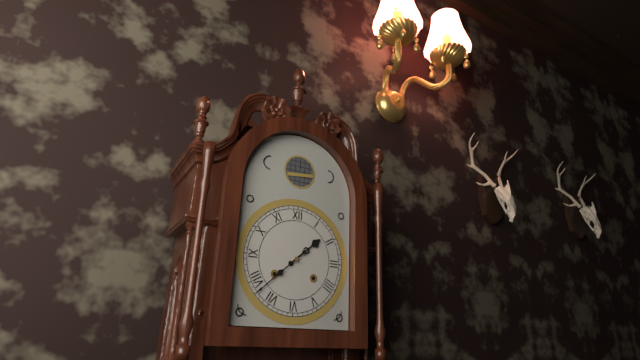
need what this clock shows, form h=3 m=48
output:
h=1 m=38
